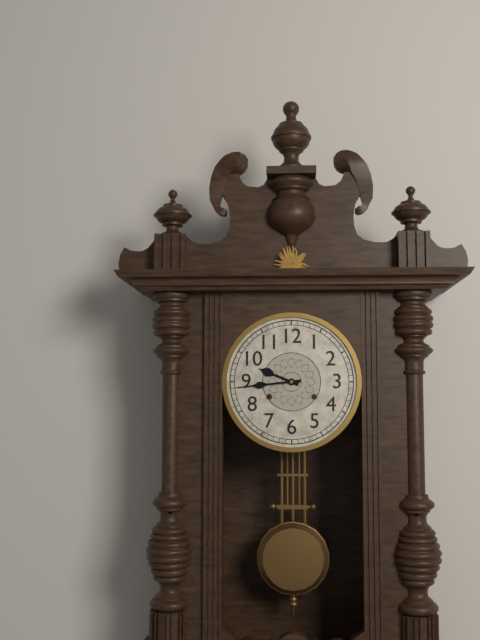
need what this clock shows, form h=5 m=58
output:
h=9 m=44
